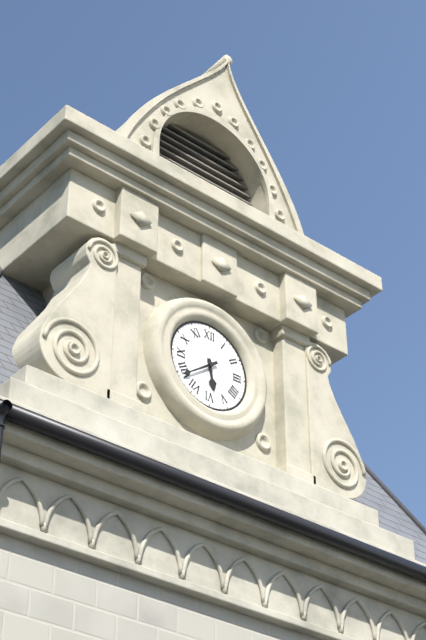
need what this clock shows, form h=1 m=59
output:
h=5 m=39
